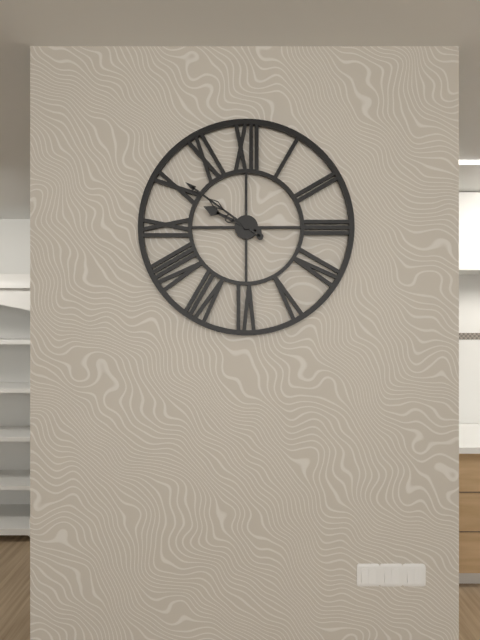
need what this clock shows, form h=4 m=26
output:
h=9 m=51
